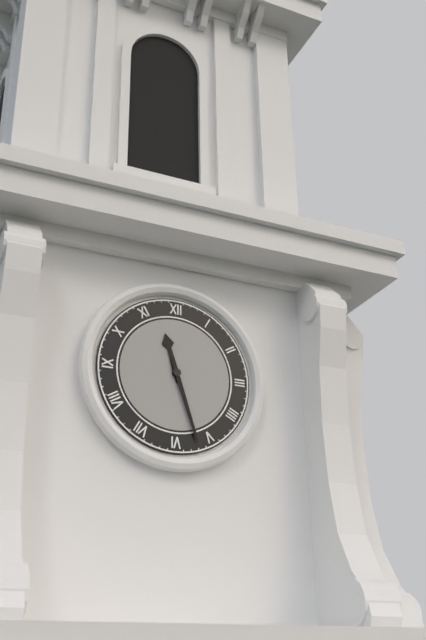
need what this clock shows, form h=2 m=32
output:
h=11 m=27
